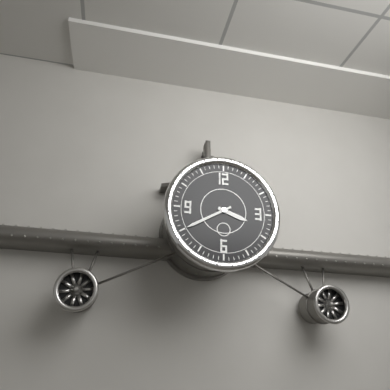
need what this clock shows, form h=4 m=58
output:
h=3 m=40
